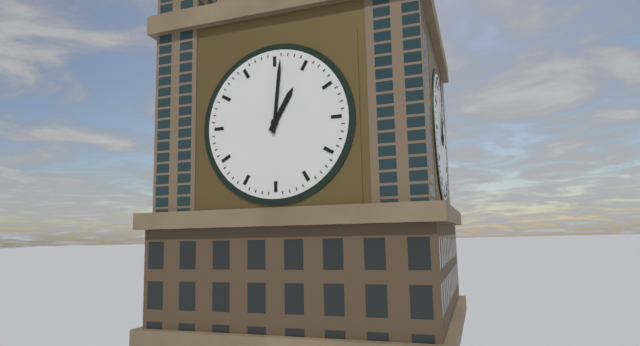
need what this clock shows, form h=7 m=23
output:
h=1 m=1
